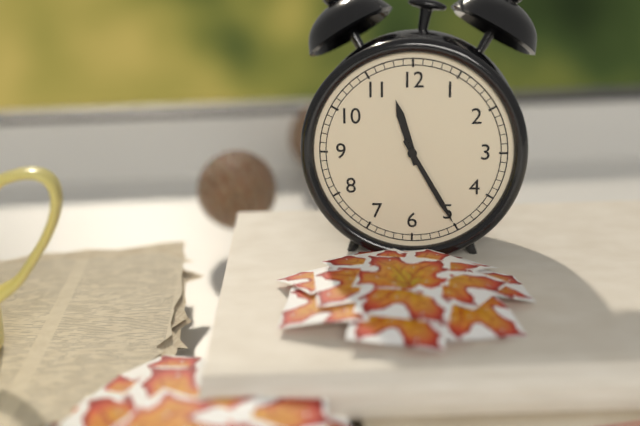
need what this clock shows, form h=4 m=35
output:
h=11 m=25
